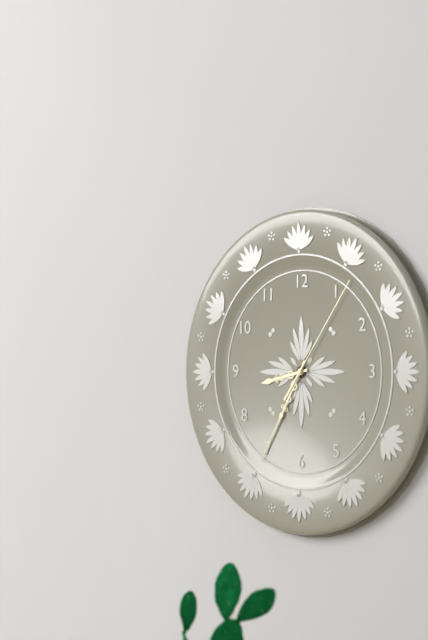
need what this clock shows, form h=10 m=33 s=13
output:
h=8 m=35 s=6
